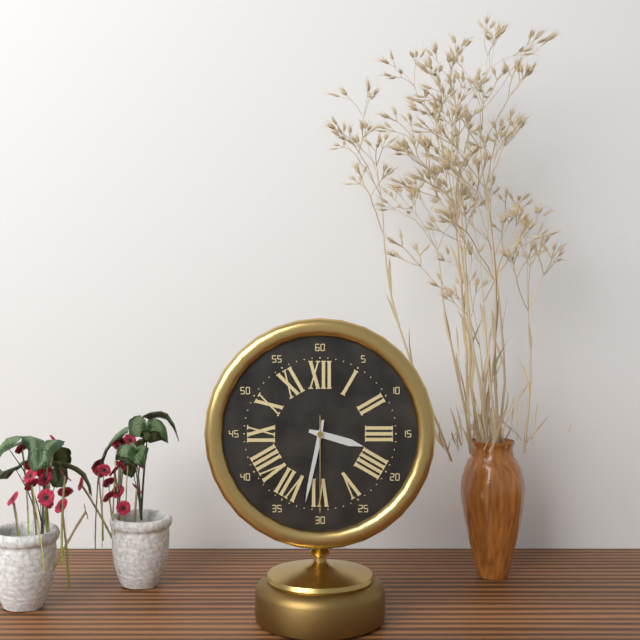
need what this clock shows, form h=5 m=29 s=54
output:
h=3 m=32 s=30
